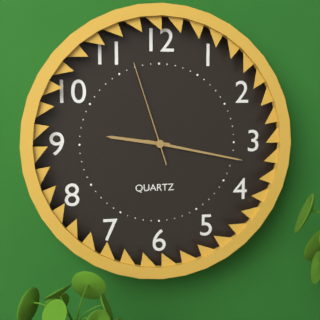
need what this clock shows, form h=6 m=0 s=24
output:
h=9 m=17 s=57
